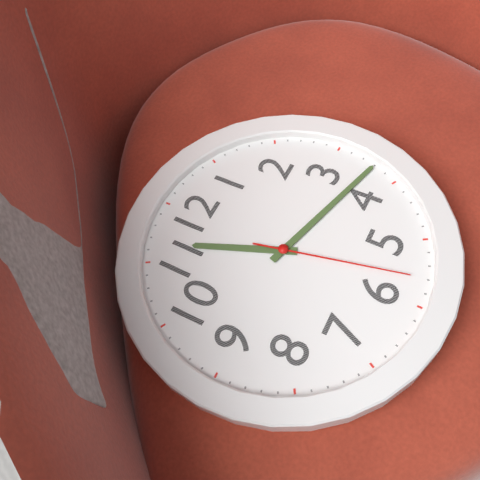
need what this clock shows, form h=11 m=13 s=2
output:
h=11 m=18 s=28
